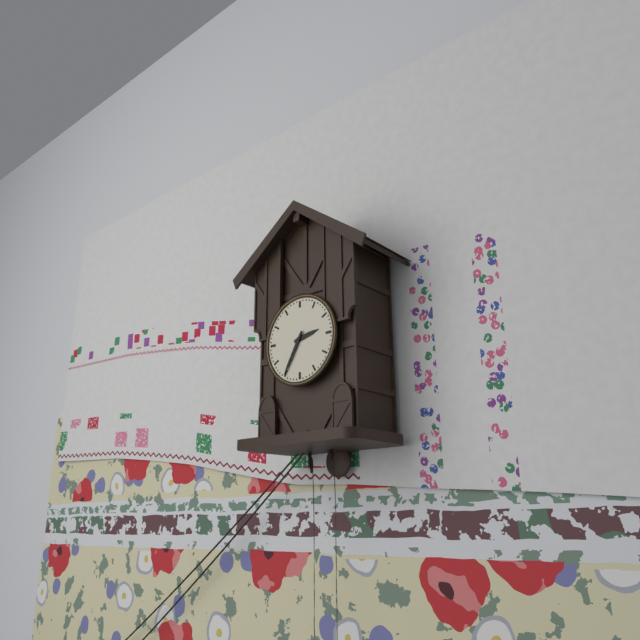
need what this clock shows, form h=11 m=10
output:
h=2 m=35
